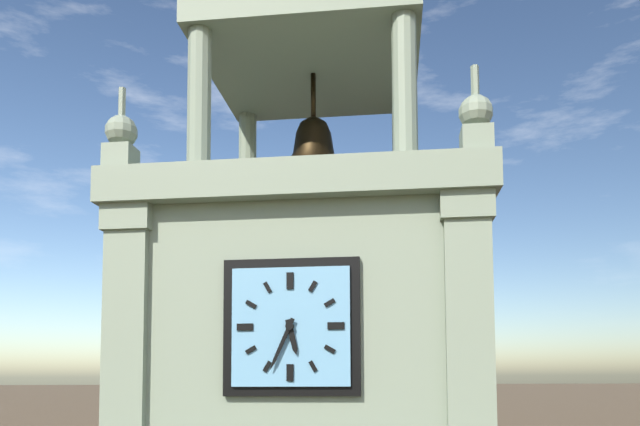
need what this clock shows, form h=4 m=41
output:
h=5 m=34
